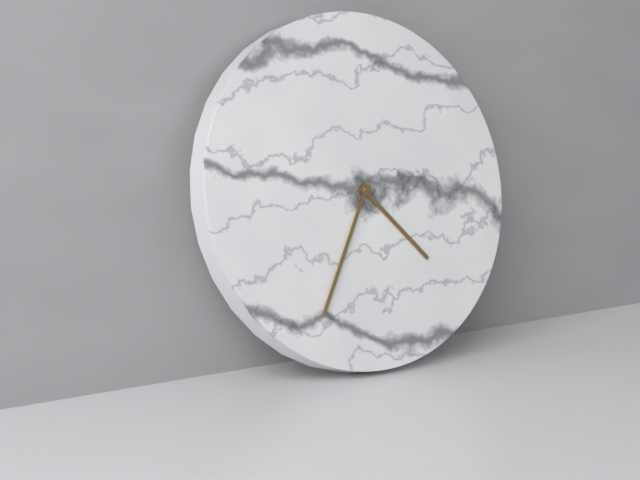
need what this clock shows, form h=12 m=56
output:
h=4 m=35
